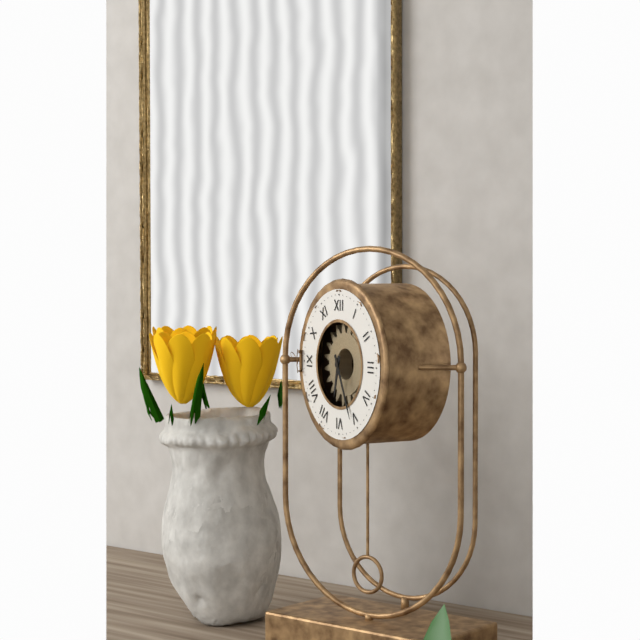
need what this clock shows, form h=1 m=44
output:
h=6 m=26
